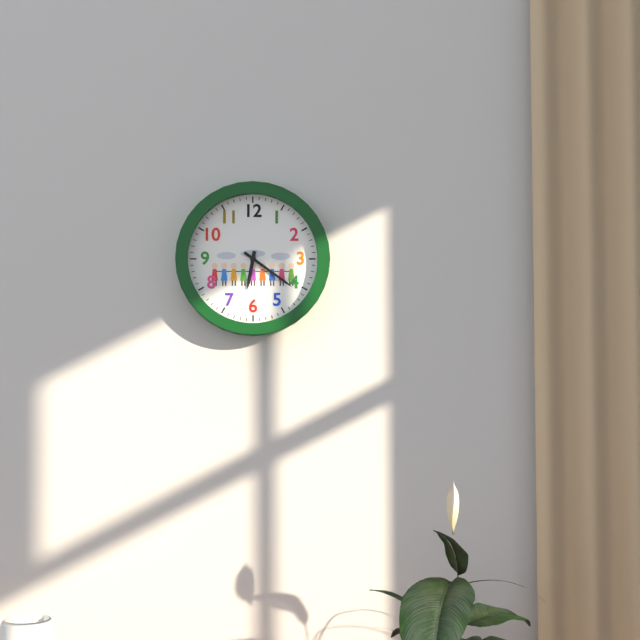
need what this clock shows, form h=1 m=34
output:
h=6 m=21
